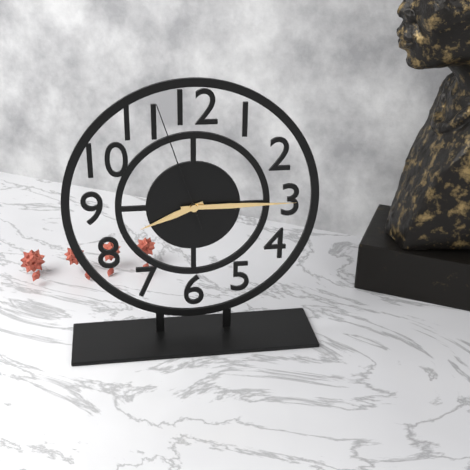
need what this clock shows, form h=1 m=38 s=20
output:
h=8 m=15 s=57
